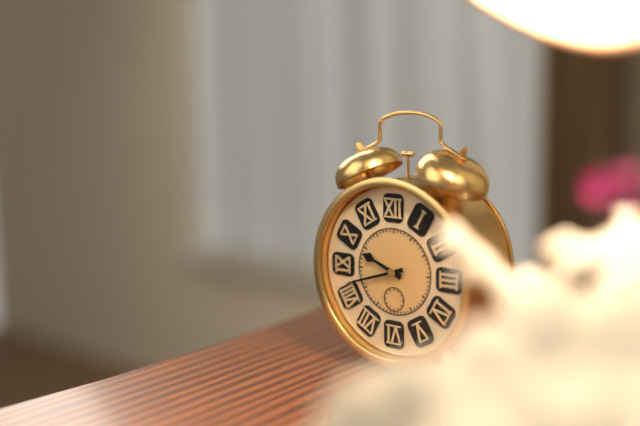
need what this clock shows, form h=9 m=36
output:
h=9 m=42
